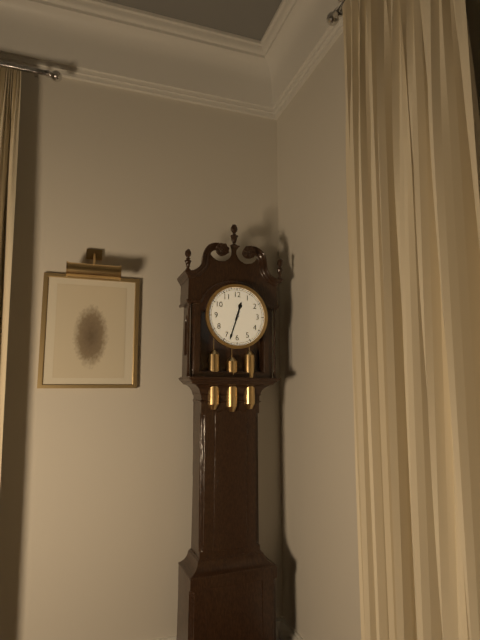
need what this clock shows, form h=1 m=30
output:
h=12 m=33
